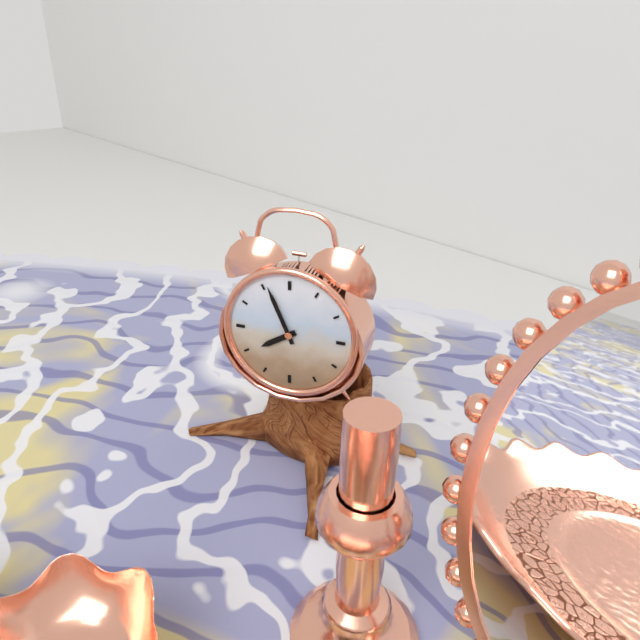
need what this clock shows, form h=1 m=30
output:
h=7 m=56
